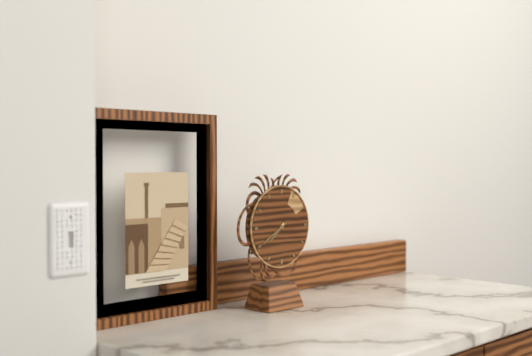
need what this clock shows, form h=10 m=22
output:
h=7 m=40
